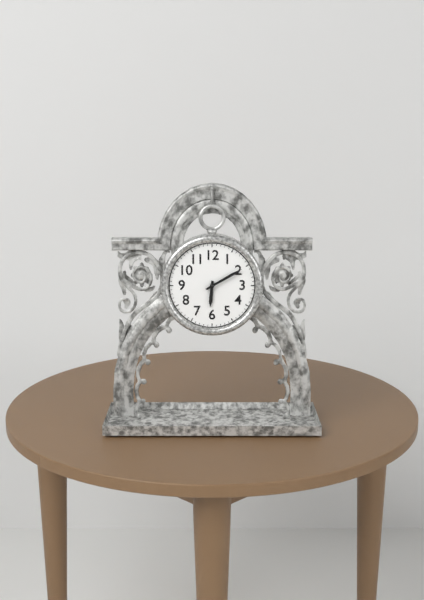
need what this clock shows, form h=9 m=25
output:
h=6 m=10
